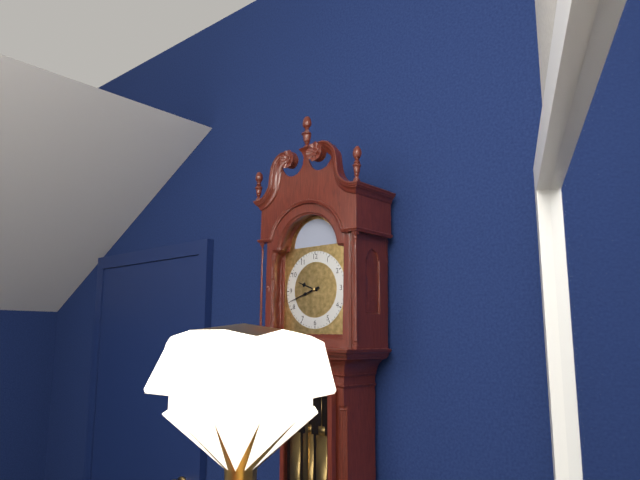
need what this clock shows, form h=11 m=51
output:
h=9 m=42
